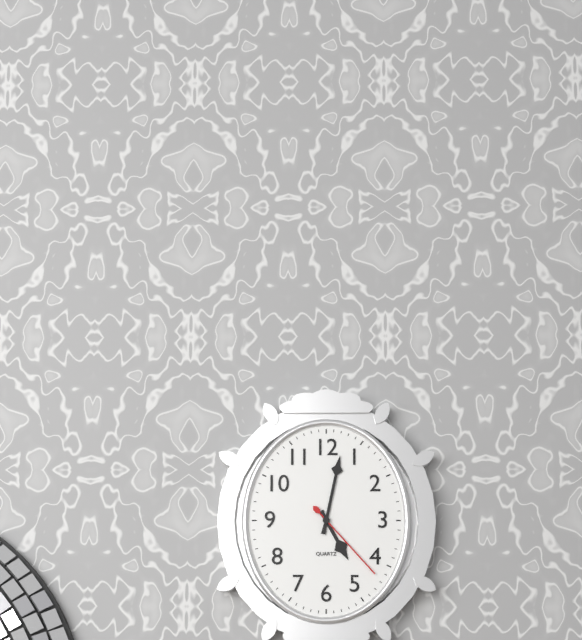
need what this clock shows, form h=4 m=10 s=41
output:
h=5 m=2 s=23
